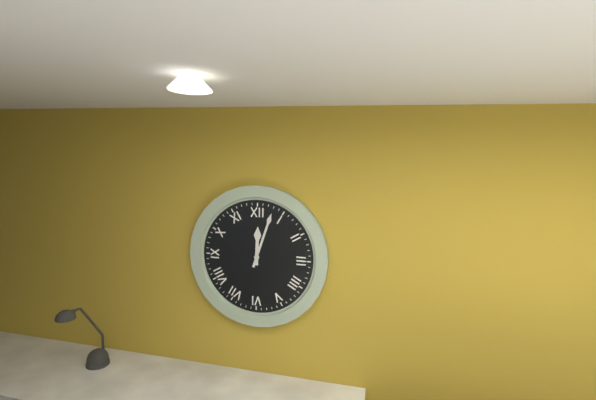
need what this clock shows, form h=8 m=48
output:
h=12 m=3
